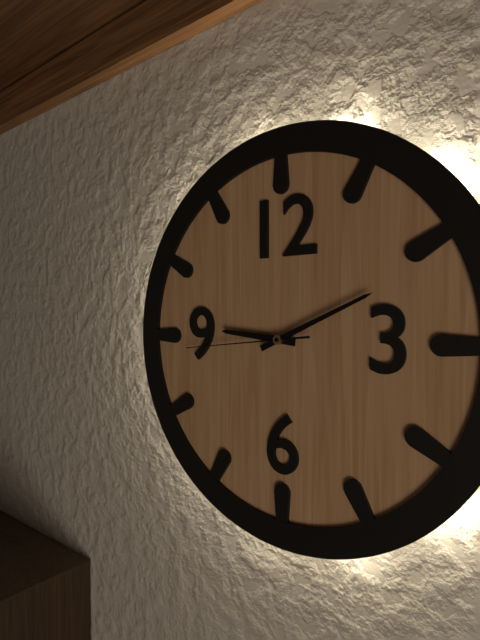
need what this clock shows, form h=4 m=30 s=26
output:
h=9 m=11 s=44
